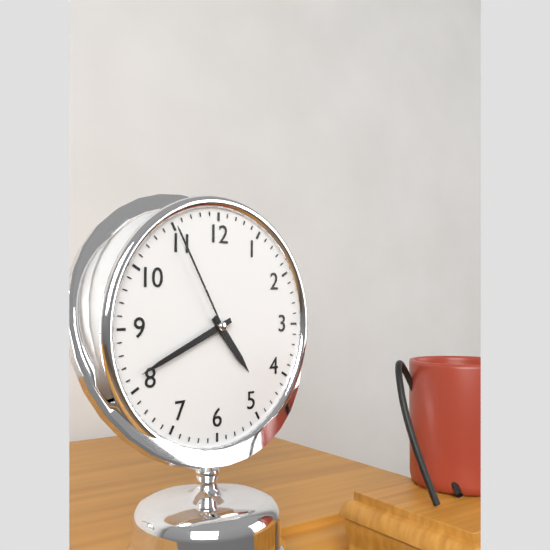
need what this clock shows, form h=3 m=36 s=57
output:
h=4 m=41 s=55
